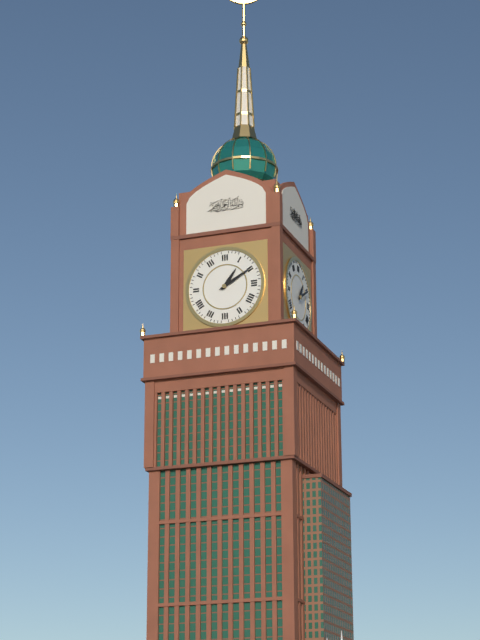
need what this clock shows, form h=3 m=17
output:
h=1 m=10
